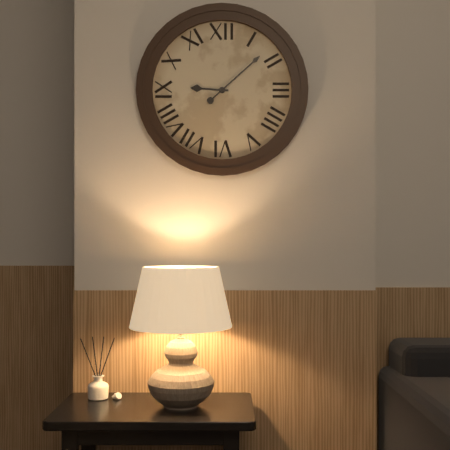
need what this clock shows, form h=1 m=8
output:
h=9 m=8
